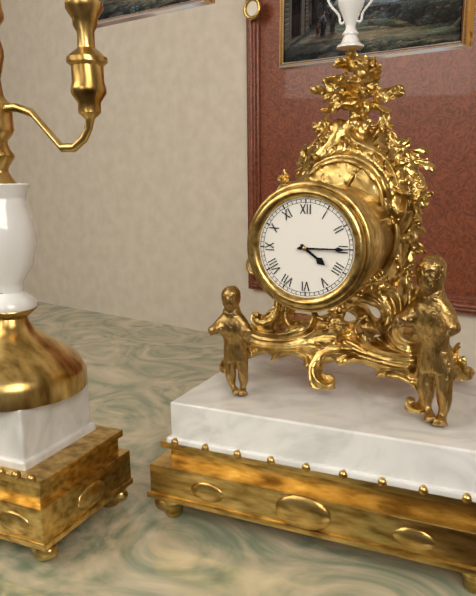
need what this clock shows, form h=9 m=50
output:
h=4 m=15
